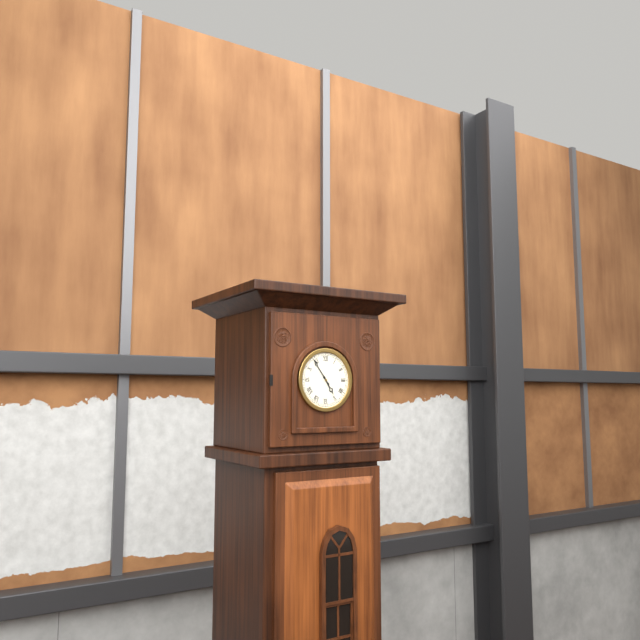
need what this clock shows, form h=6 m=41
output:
h=4 m=54
